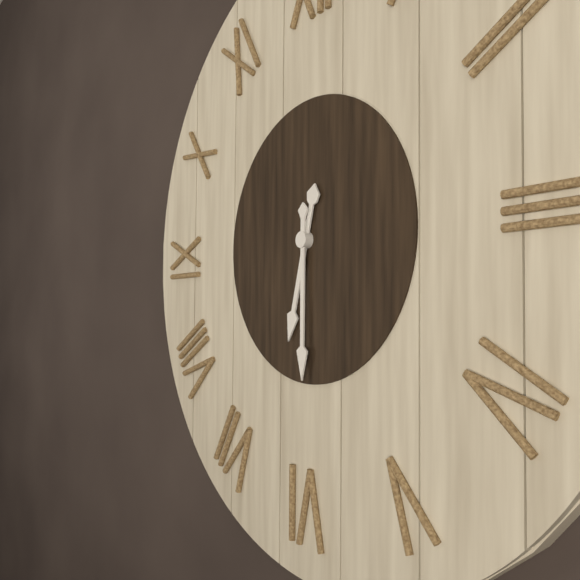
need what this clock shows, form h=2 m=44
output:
h=6 m=30
